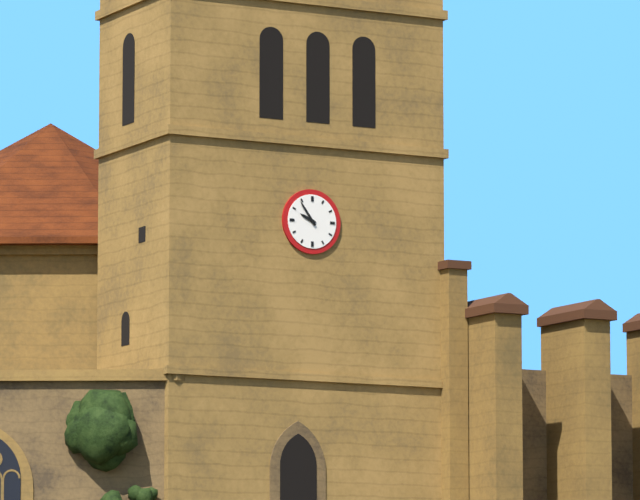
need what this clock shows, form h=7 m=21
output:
h=9 m=54
